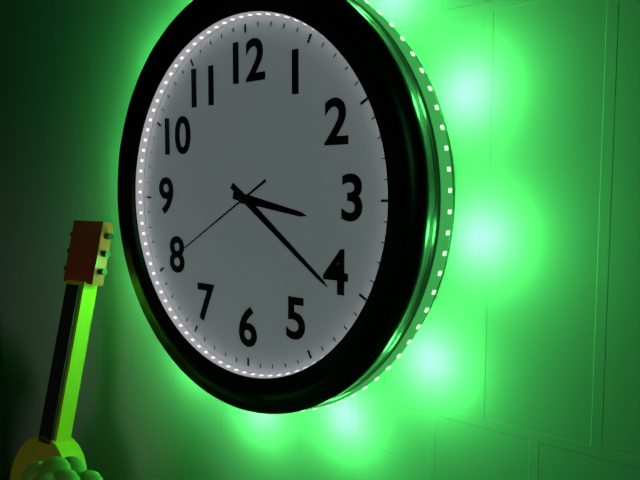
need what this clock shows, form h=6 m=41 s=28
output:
h=3 m=21 s=40
